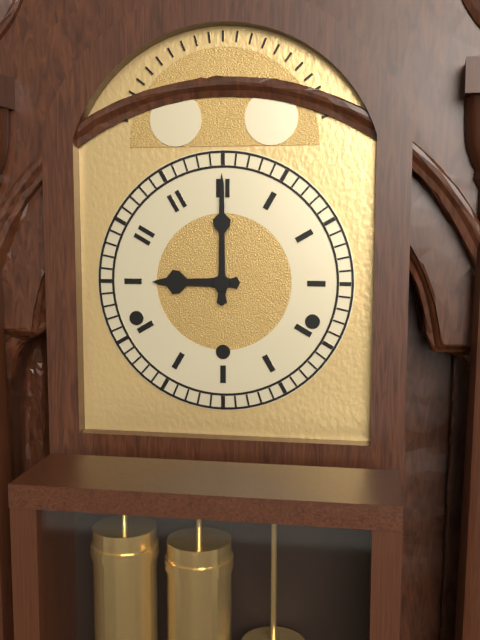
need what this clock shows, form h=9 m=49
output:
h=9 m=0
